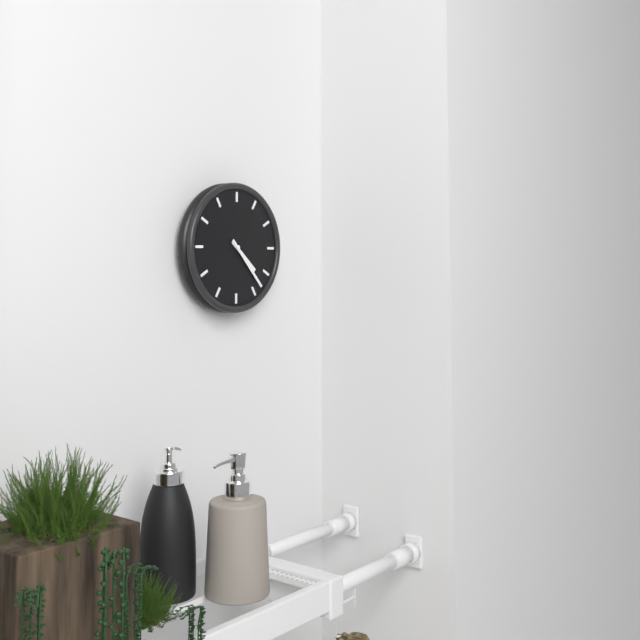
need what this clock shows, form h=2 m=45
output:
h=4 m=23
